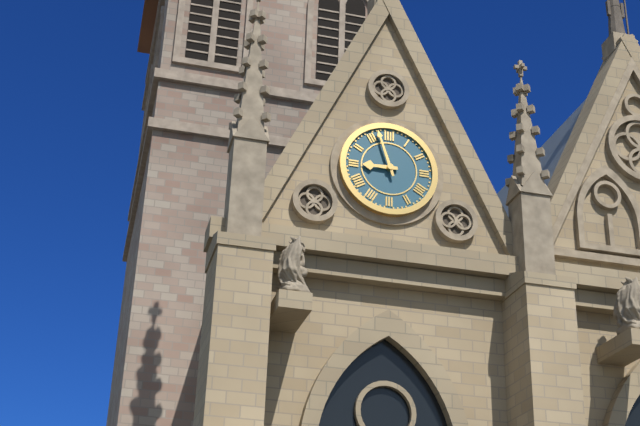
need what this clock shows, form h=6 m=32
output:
h=8 m=57
